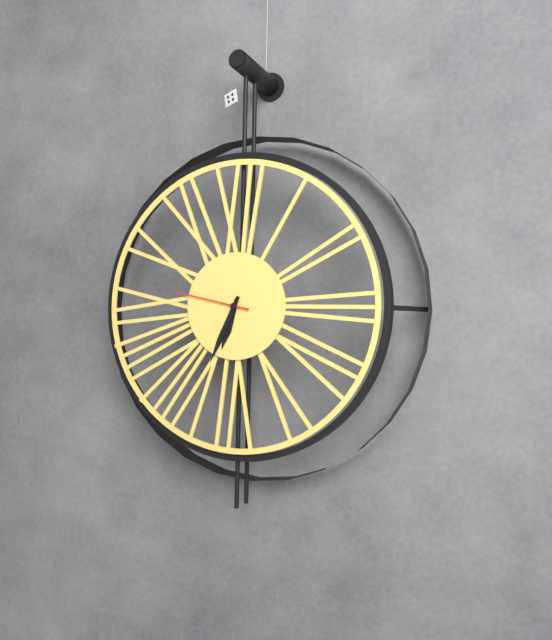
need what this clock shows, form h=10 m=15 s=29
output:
h=6 m=34 s=47
